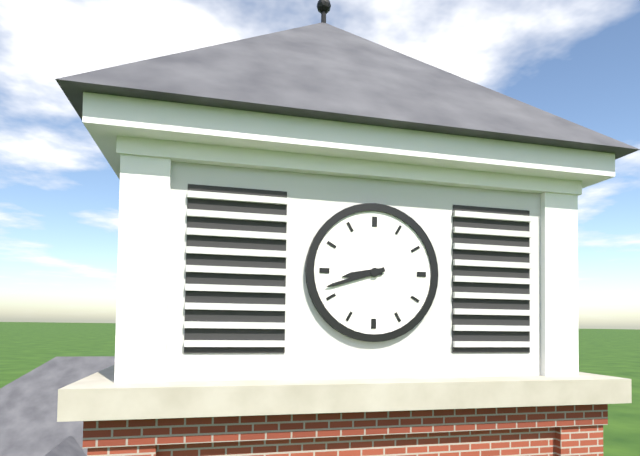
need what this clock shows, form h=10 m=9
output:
h=8 m=42
